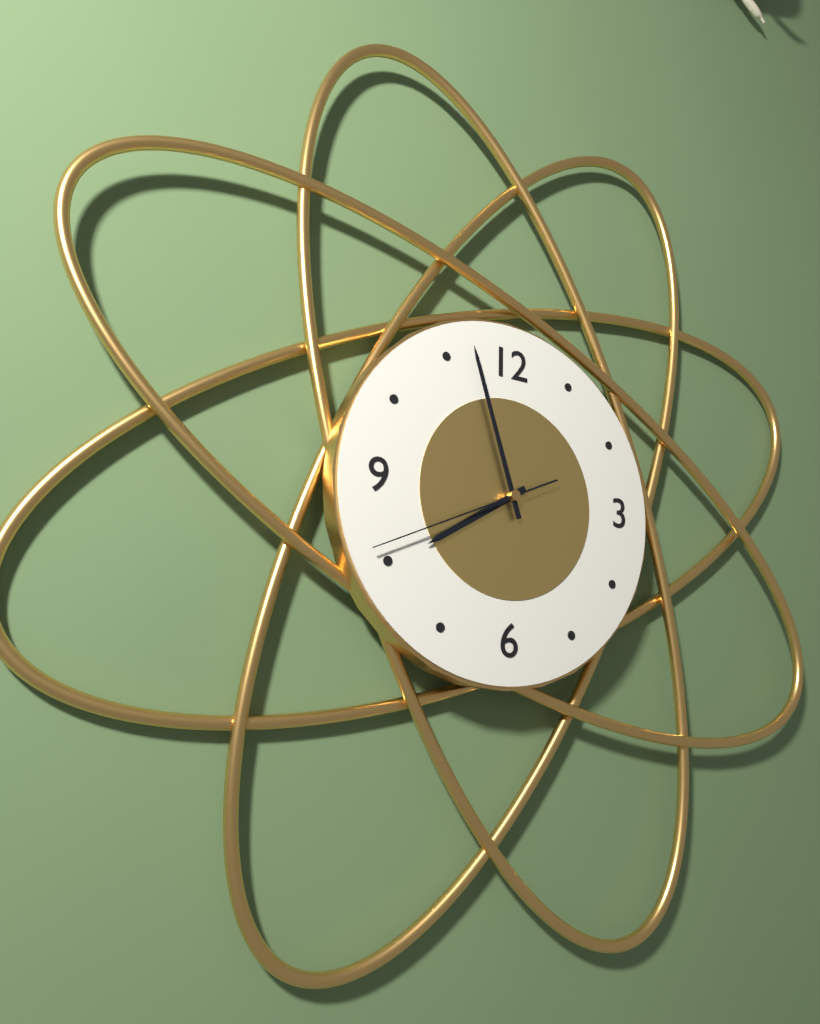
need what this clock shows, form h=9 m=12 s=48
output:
h=7 m=57 s=41
